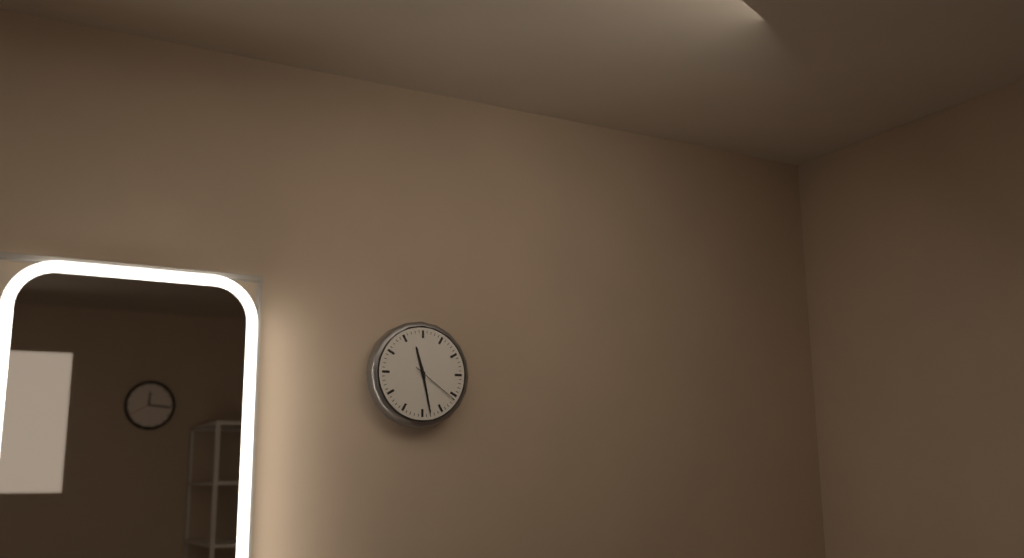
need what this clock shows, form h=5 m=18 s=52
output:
h=11 m=28 s=21
